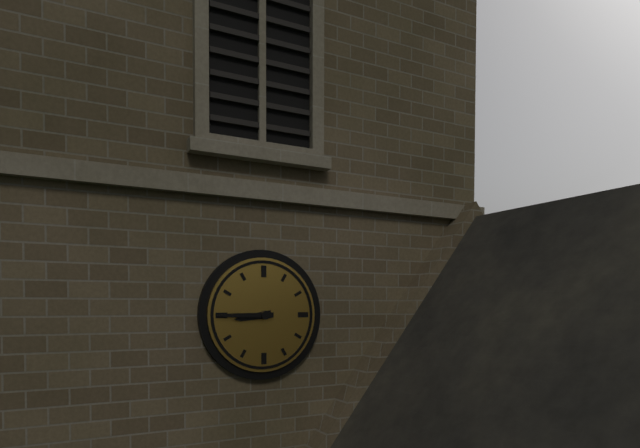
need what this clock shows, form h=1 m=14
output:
h=8 m=45
